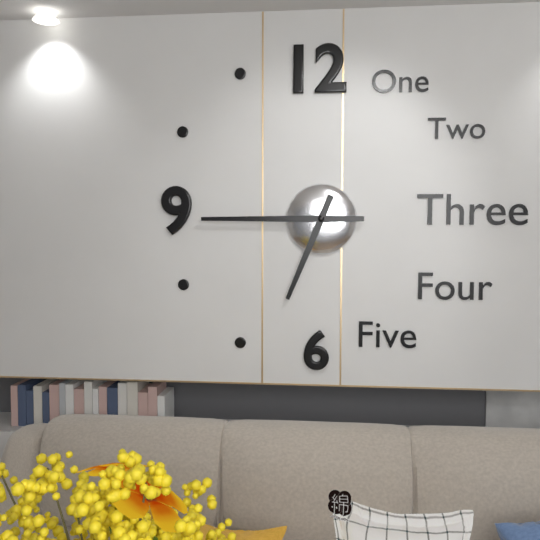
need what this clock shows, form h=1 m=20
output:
h=6 m=45
